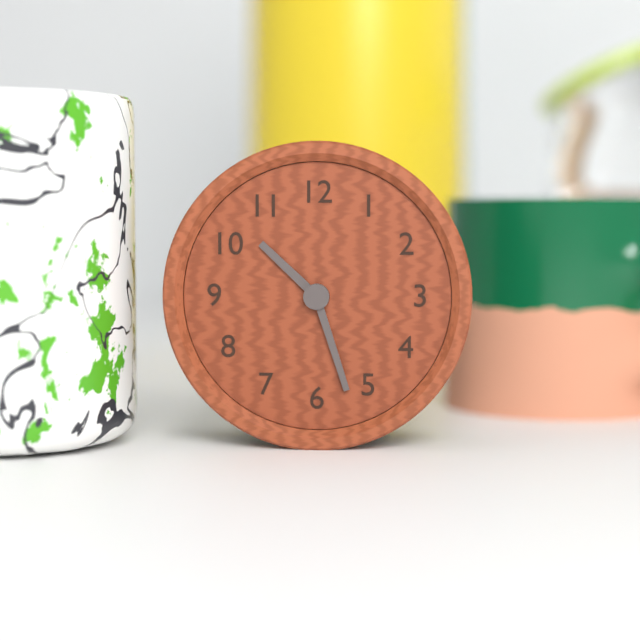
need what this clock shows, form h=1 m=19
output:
h=10 m=27
